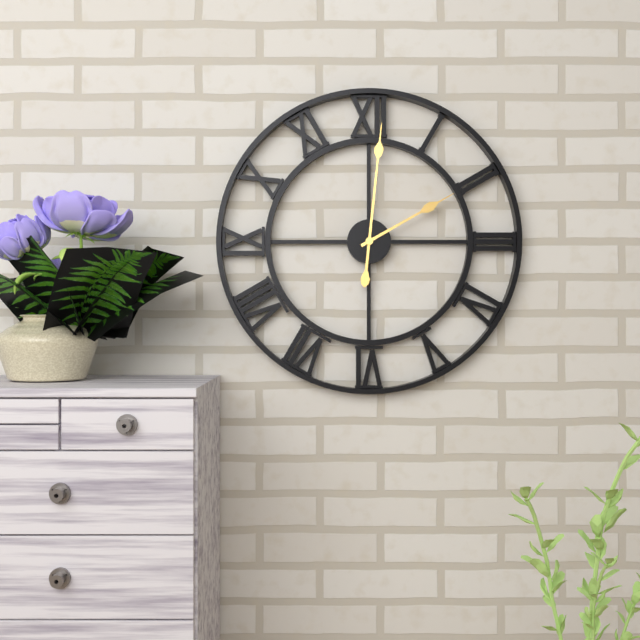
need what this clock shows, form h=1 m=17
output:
h=2 m=1
